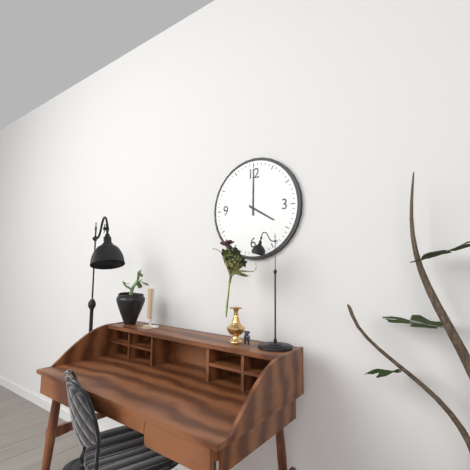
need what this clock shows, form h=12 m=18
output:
h=4 m=0
